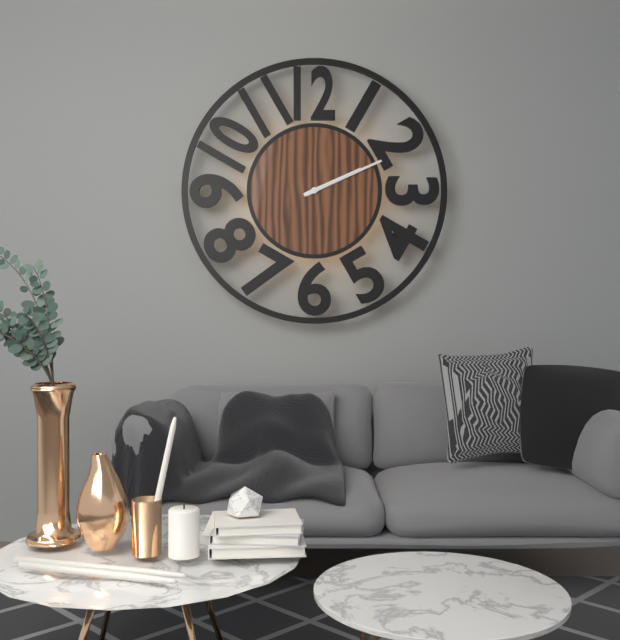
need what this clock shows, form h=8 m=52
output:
h=2 m=11
